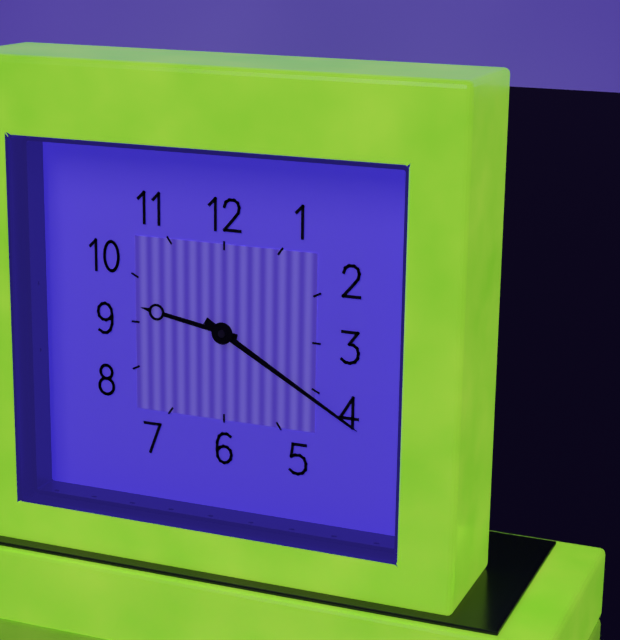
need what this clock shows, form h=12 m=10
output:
h=9 m=20
